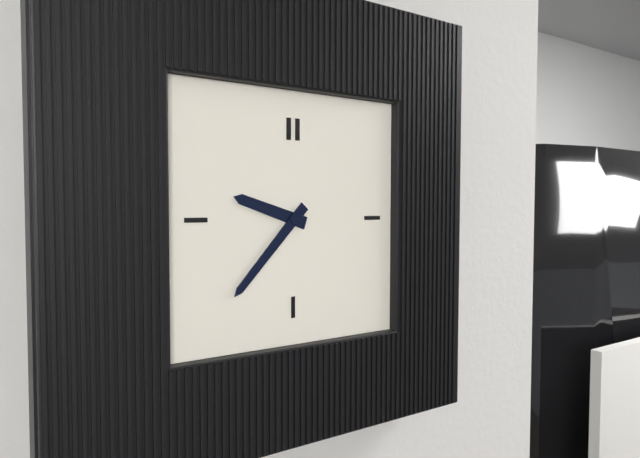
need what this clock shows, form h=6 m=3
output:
h=9 m=37
